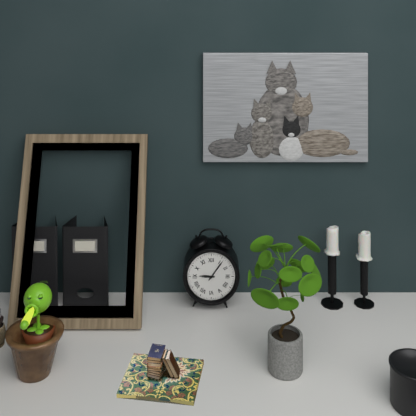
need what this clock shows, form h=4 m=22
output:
h=9 m=6
